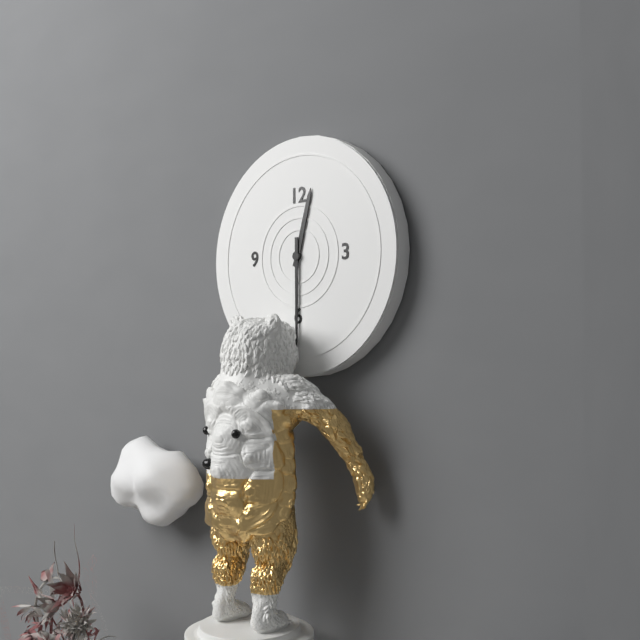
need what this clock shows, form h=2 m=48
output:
h=12 m=30
